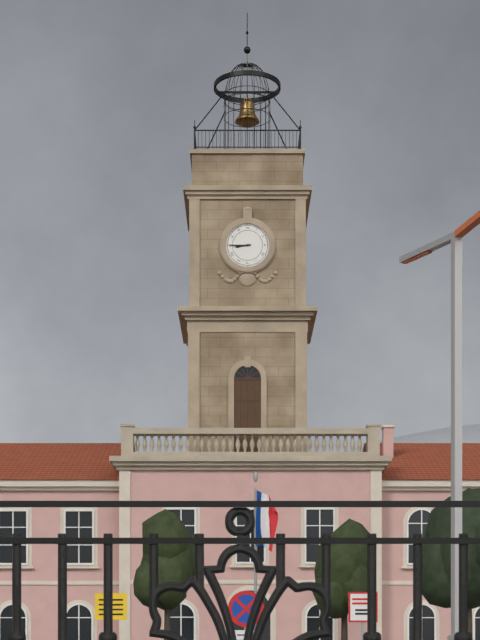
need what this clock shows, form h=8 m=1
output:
h=8 m=45
